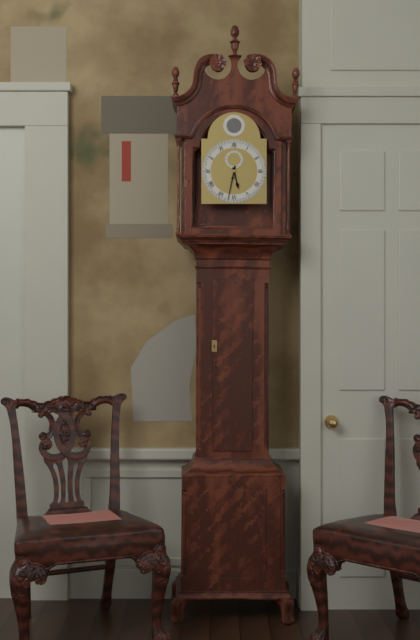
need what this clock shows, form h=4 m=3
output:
h=5 m=32
